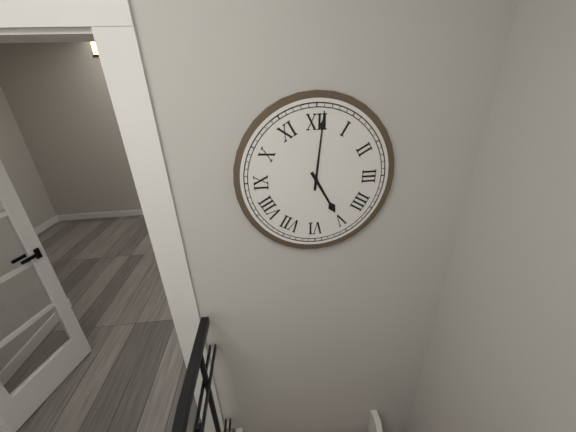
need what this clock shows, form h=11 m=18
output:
h=5 m=1
